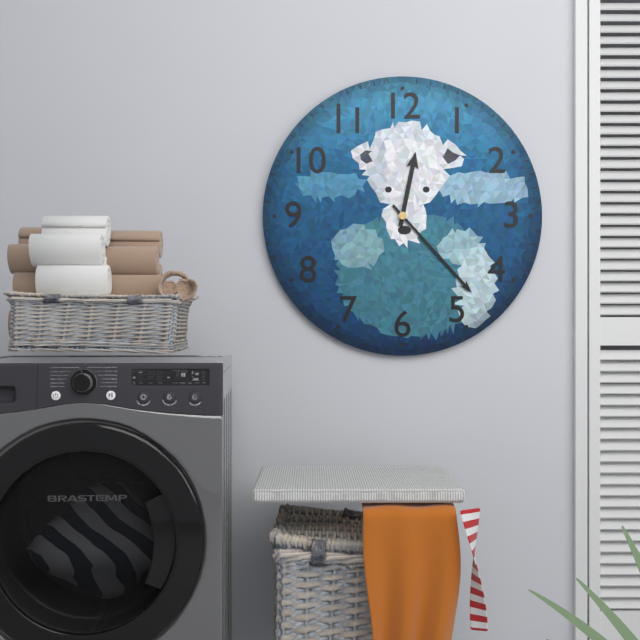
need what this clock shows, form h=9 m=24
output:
h=12 m=23
